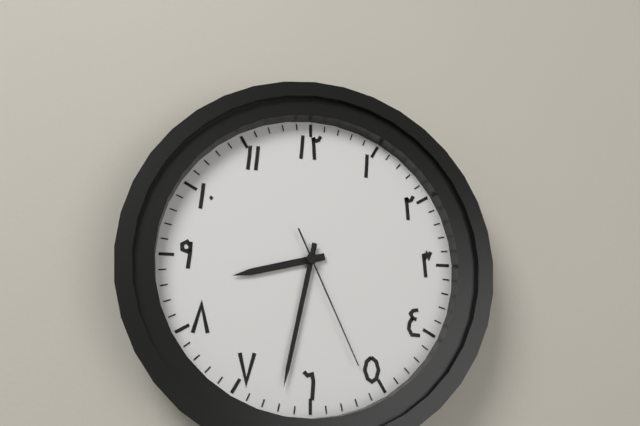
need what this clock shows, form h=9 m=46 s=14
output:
h=8 m=32 s=26
